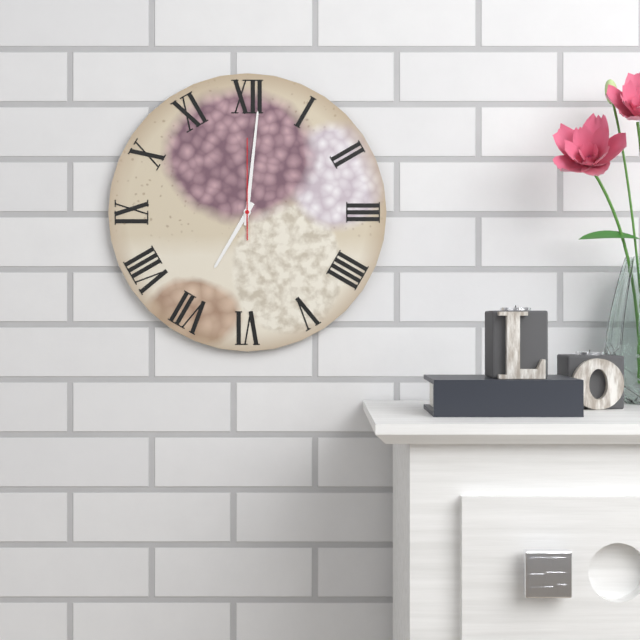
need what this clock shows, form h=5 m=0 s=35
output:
h=7 m=1 s=0
